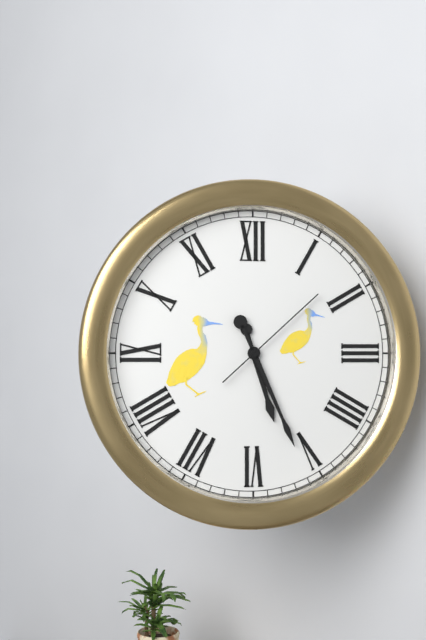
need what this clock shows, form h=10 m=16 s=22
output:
h=5 m=26 s=8
